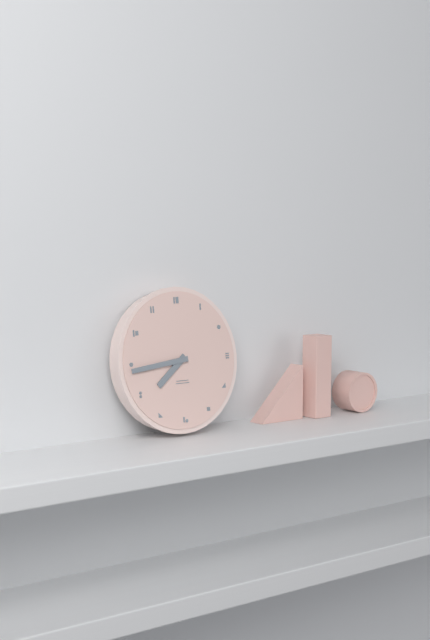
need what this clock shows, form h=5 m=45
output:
h=7 m=44
